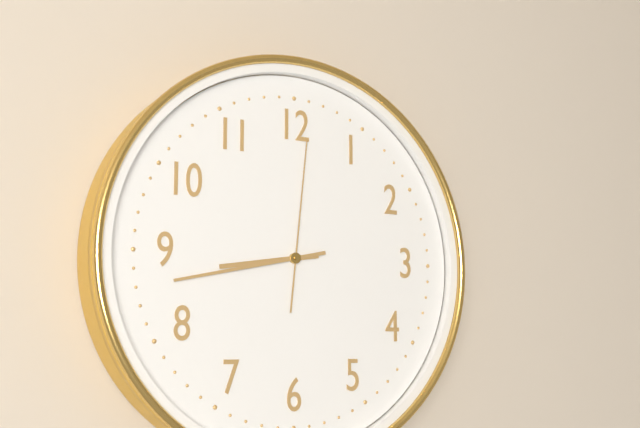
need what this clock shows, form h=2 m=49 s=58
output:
h=8 m=43 s=1
